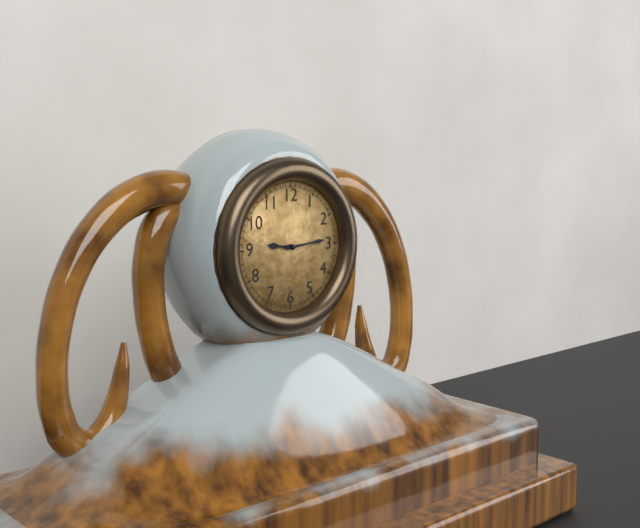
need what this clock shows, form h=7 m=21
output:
h=9 m=14
